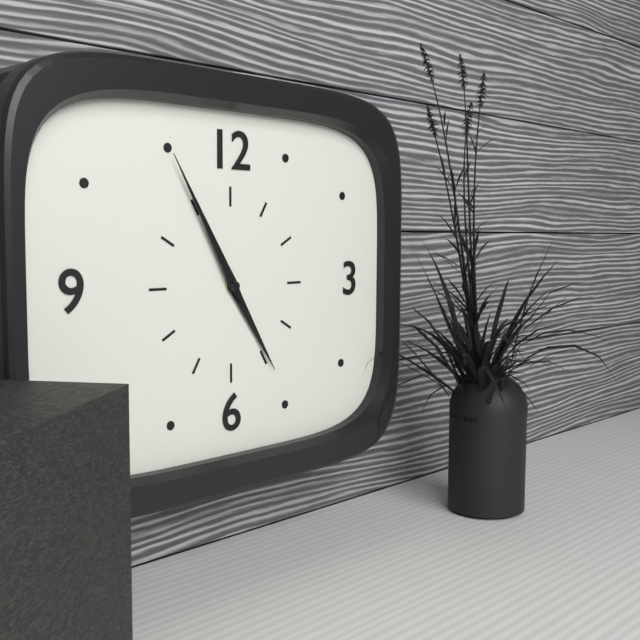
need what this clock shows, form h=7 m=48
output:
h=4 m=55
